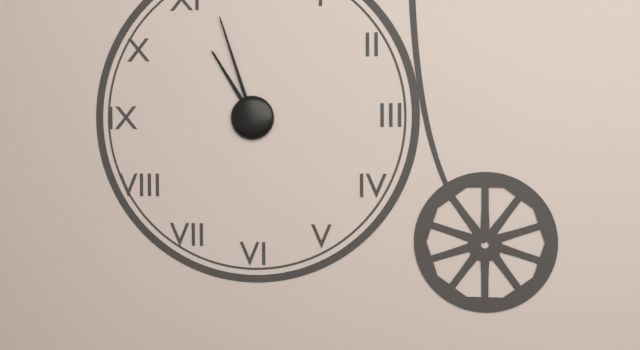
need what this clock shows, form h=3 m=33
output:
h=10 m=57
